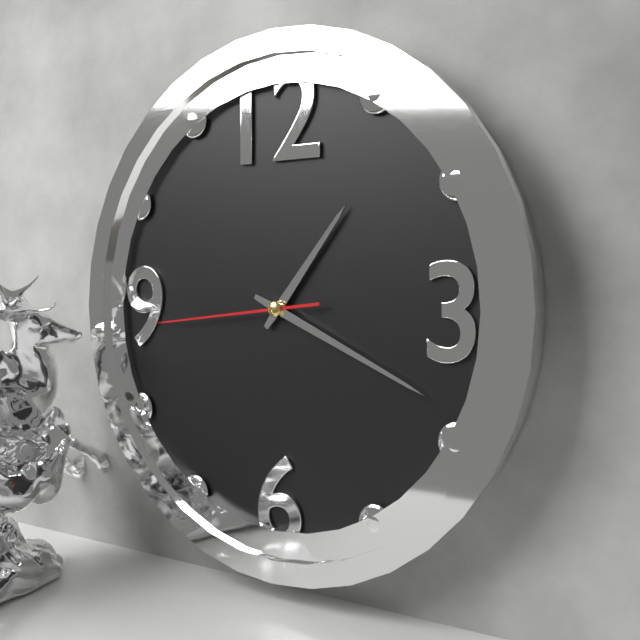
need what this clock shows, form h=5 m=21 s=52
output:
h=1 m=19 s=44
